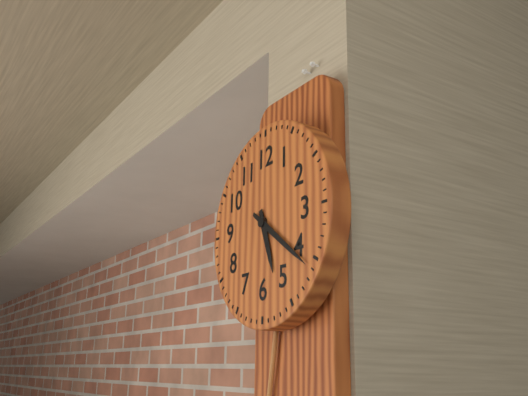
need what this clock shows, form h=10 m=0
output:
h=5 m=21
